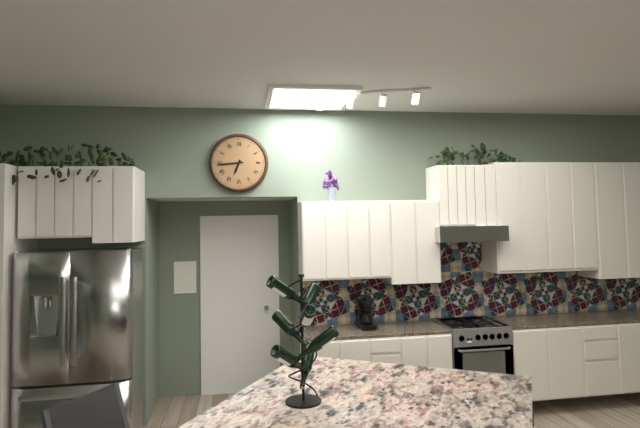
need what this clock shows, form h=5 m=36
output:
h=6 m=44
